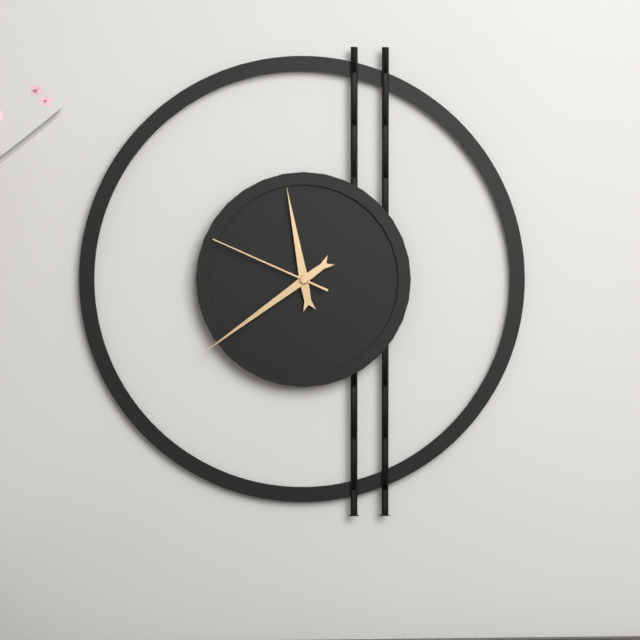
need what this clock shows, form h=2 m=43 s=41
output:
h=11 m=39 s=49
